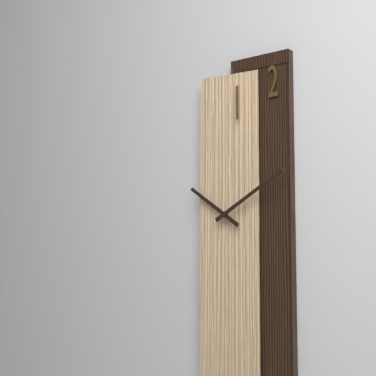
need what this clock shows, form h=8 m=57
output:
h=10 m=10
